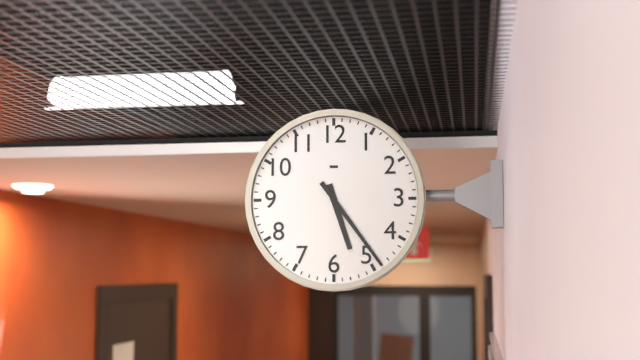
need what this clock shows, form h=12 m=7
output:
h=5 m=24
